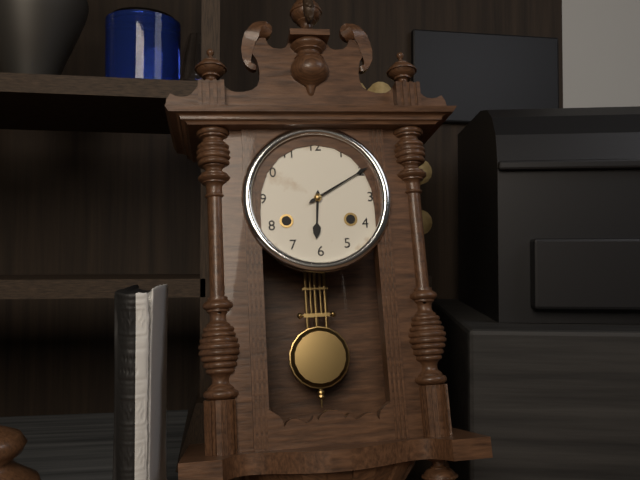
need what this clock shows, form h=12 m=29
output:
h=6 m=10
